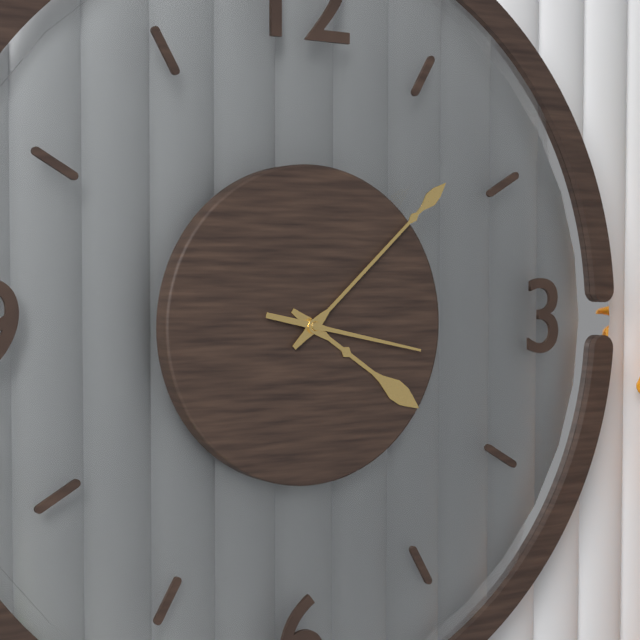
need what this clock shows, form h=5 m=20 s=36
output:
h=4 m=8 s=17
